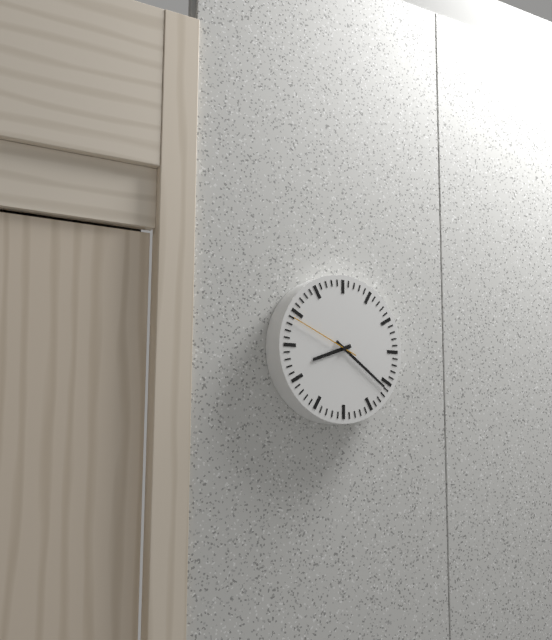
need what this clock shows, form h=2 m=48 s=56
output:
h=8 m=21 s=49
